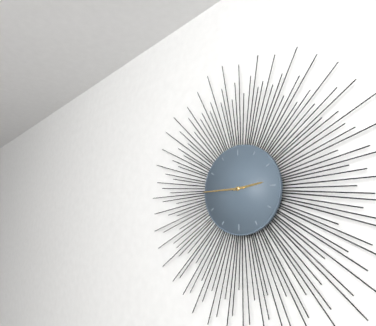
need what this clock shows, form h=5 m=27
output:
h=2 m=45
